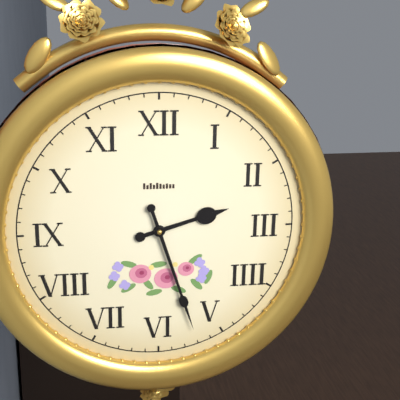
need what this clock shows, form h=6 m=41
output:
h=2 m=27
